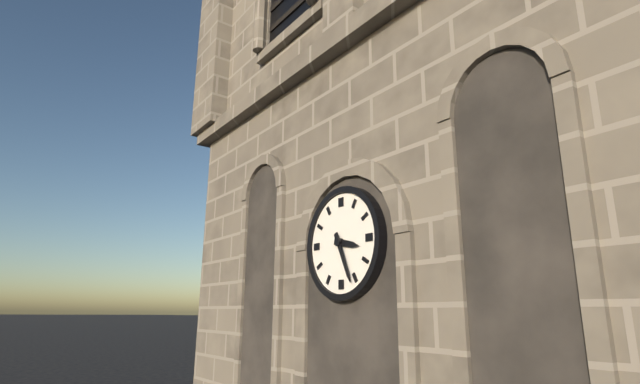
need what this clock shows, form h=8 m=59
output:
h=3 m=26
